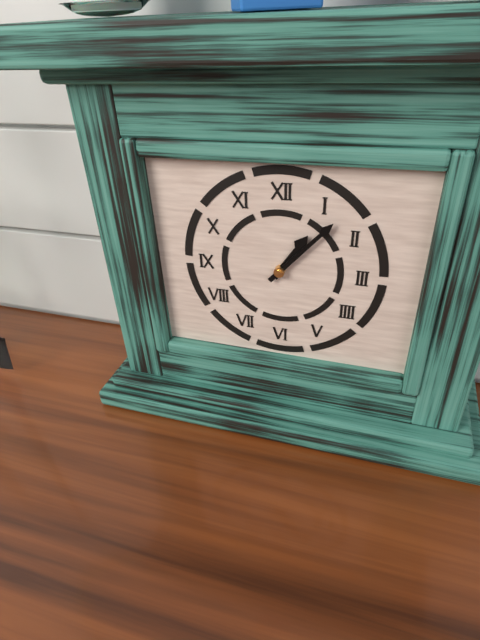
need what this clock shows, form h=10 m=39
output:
h=1 m=7
